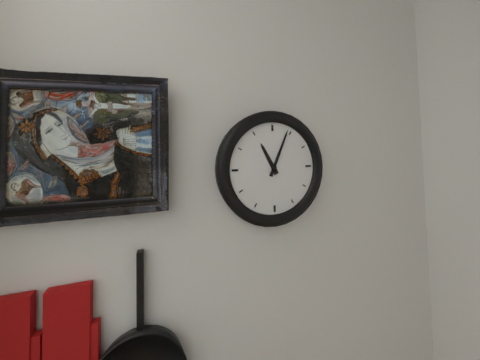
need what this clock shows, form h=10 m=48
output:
h=11 m=4
